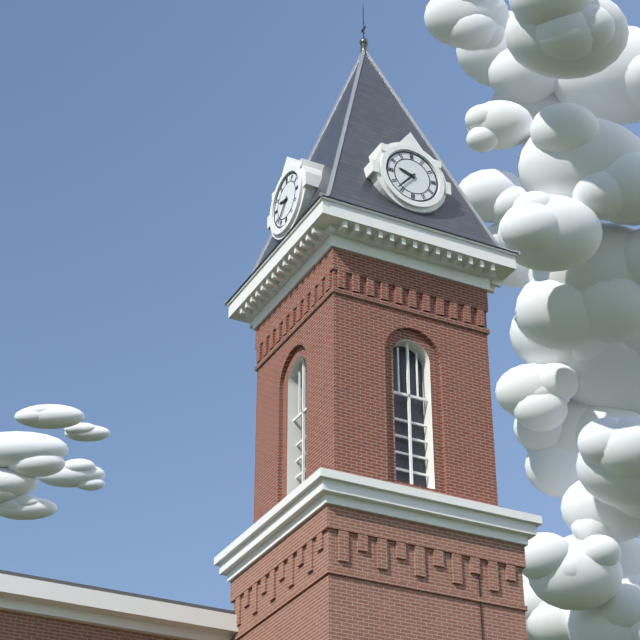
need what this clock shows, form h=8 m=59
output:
h=9 m=37
